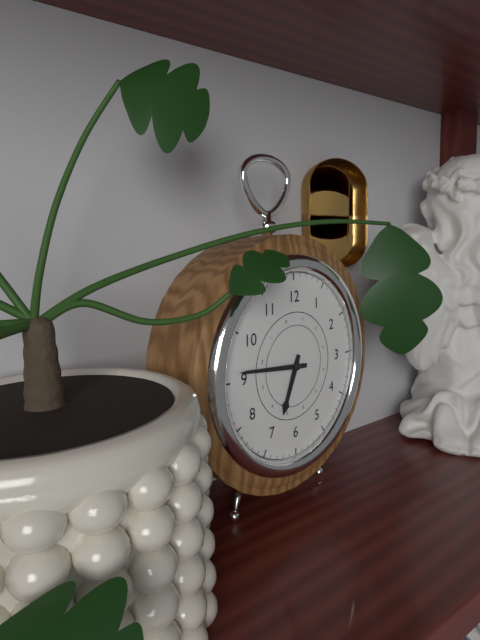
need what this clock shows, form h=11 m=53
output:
h=6 m=46
